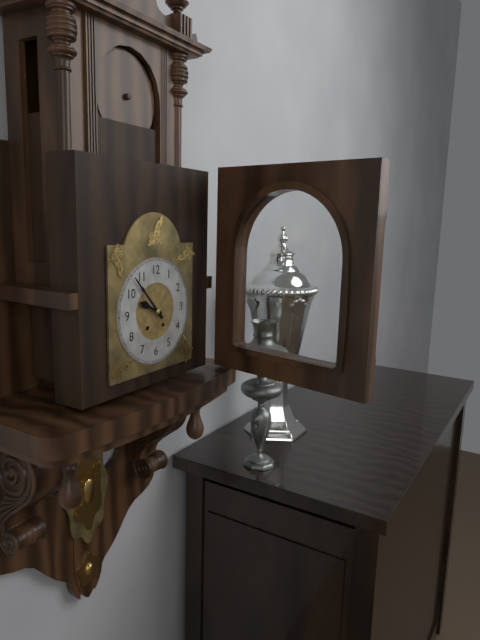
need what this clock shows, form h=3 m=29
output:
h=9 m=53
